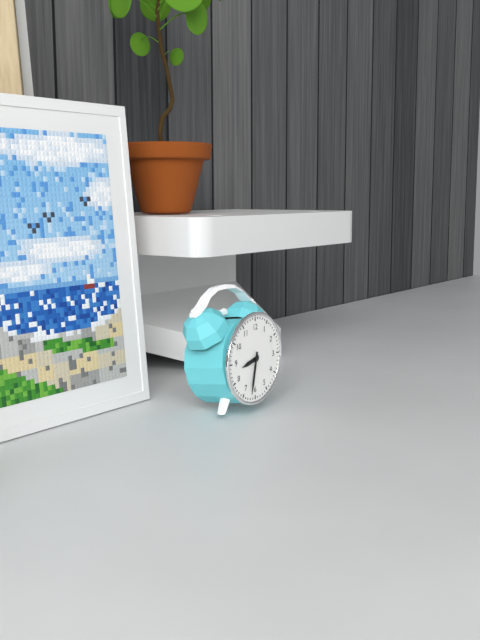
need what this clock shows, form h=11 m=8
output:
h=8 m=32
